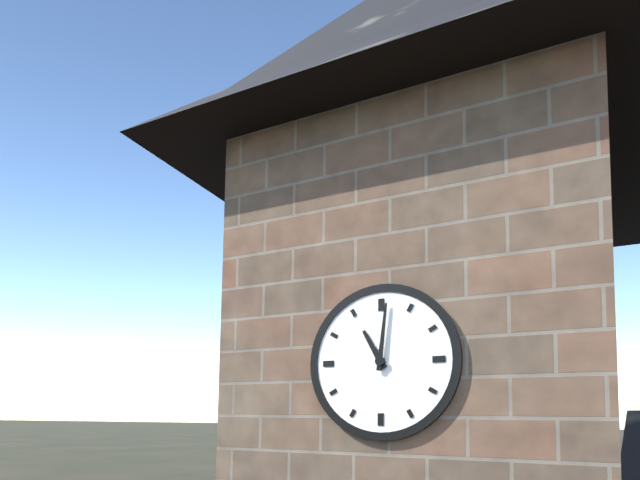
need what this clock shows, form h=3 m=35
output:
h=11 m=1
